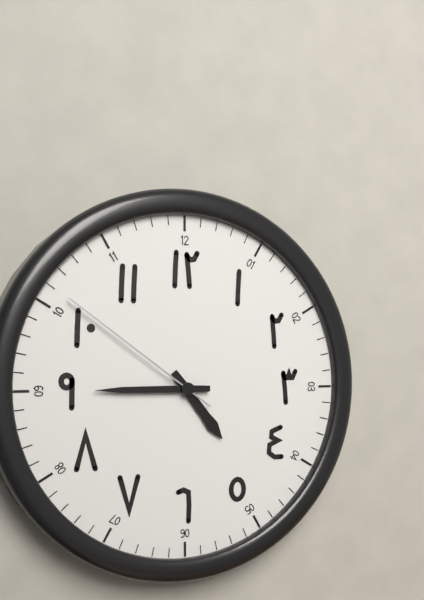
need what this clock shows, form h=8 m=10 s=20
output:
h=4 m=45 s=51
